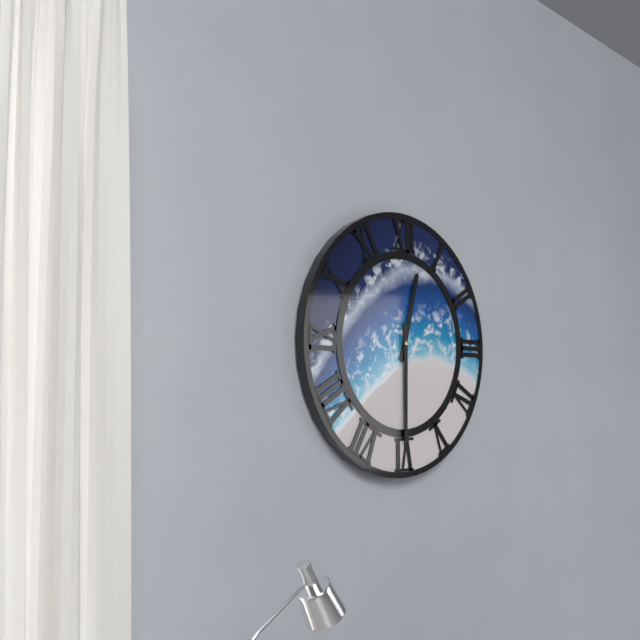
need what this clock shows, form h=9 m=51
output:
h=12 m=30
